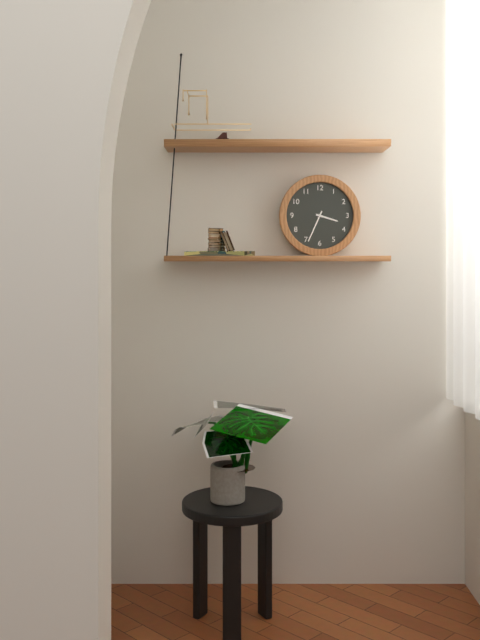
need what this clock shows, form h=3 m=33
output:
h=3 m=34
